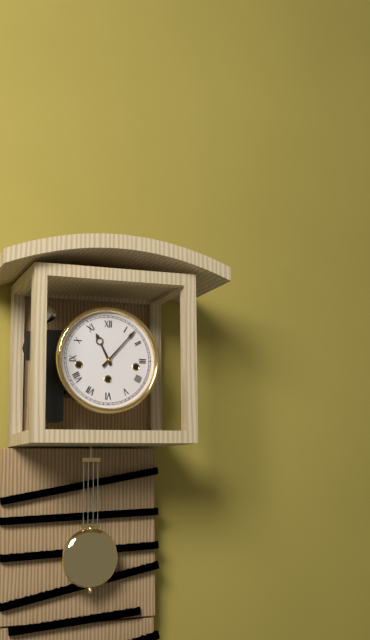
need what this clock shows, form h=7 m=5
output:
h=11 m=7
